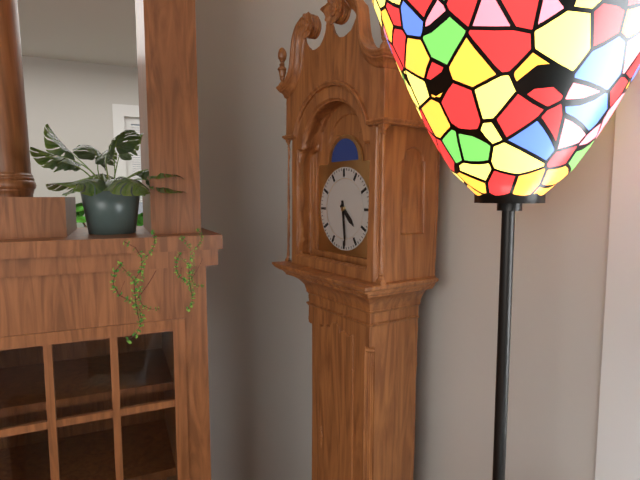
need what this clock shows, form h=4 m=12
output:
h=4 m=29
